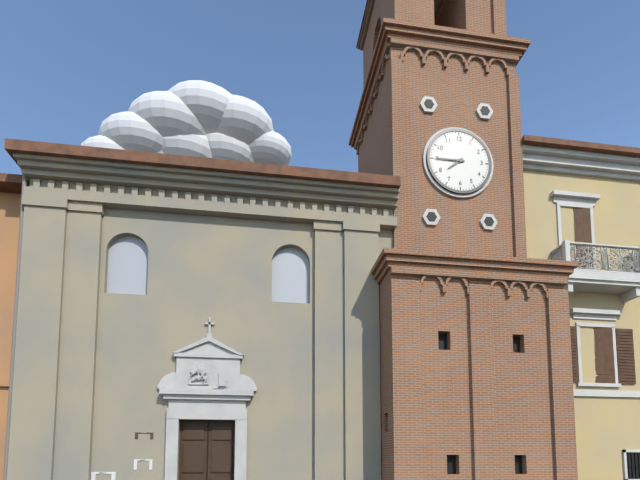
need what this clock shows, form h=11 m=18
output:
h=7 m=45
